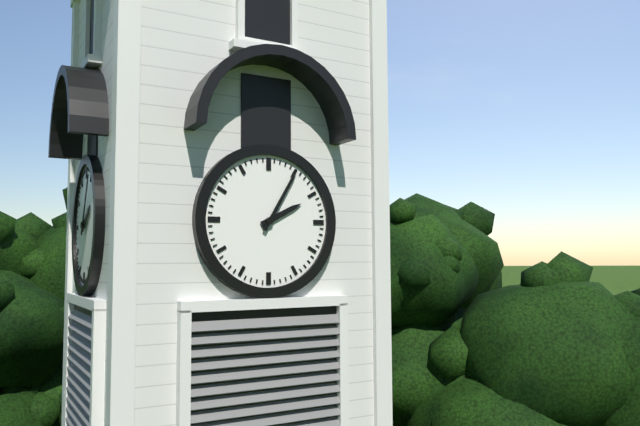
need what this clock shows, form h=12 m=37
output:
h=2 m=5
